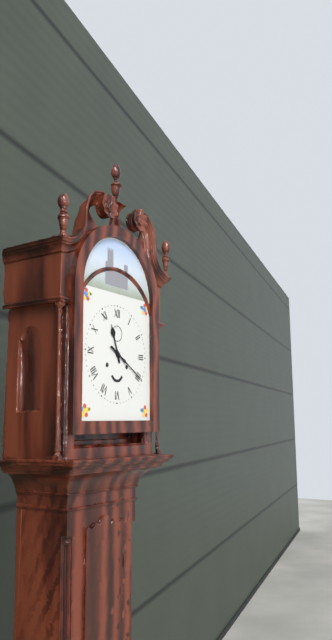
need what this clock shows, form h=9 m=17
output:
h=11 m=20
